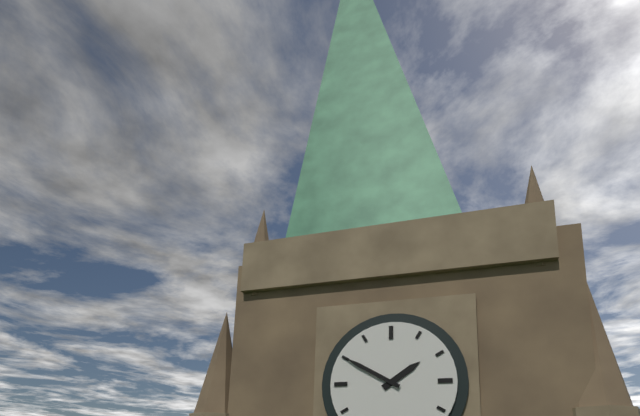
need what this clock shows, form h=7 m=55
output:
h=1 m=50
